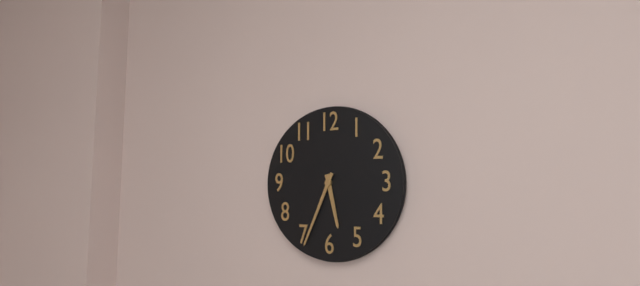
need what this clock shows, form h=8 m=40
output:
h=5 m=34
